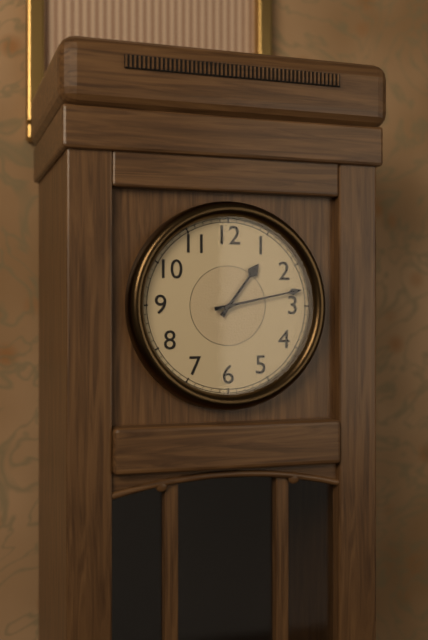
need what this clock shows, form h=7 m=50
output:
h=1 m=13
